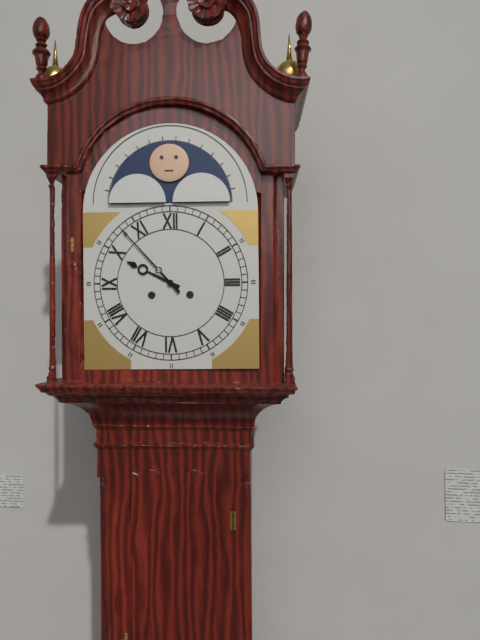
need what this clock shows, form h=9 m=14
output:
h=9 m=53
